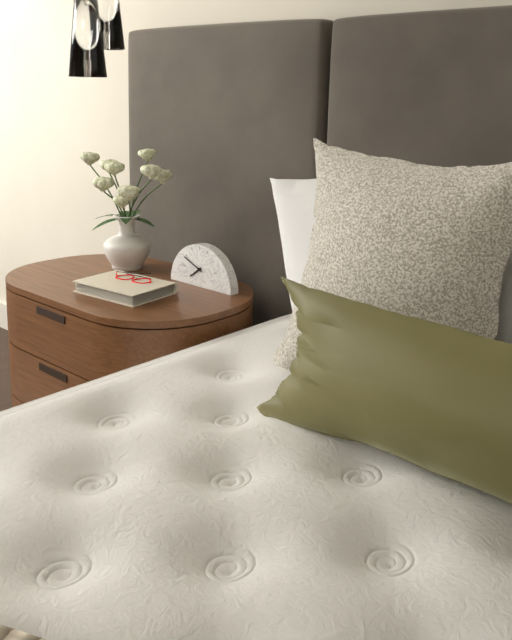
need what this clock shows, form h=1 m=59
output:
h=7 m=49
